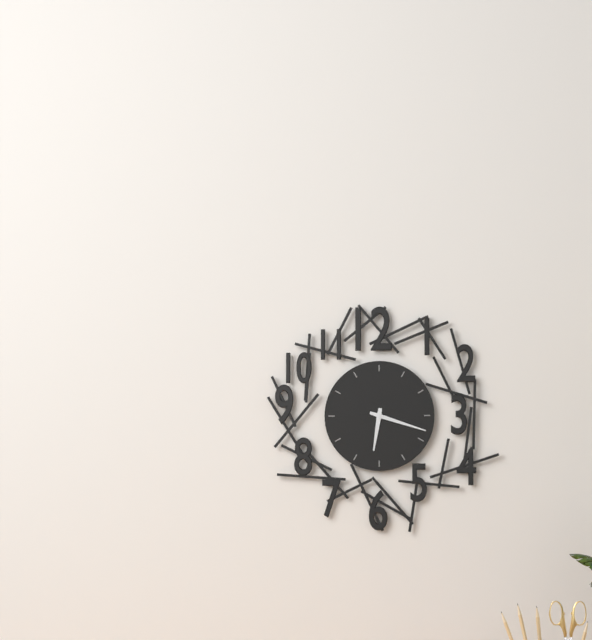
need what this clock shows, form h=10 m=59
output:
h=6 m=18
